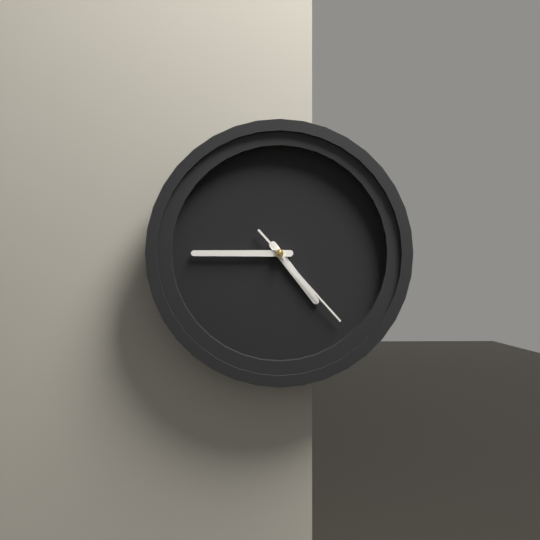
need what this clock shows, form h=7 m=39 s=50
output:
h=4 m=45 s=23
